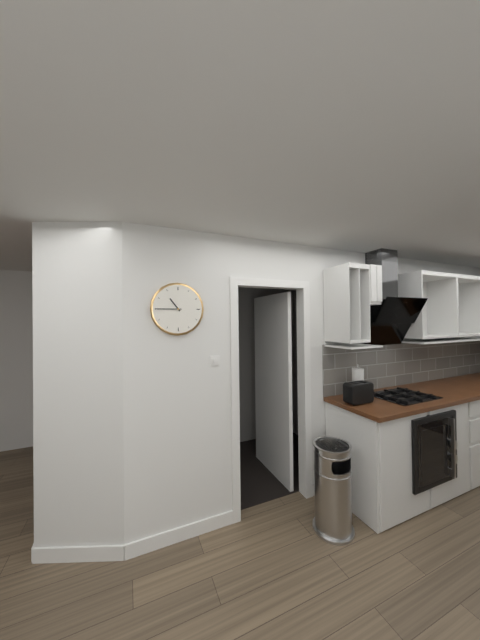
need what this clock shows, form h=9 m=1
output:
h=10 m=45
